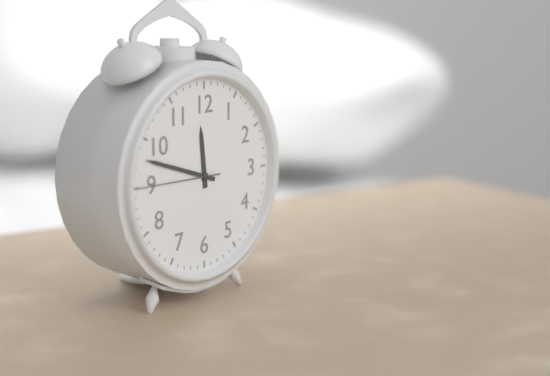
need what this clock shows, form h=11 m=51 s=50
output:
h=11 m=48 s=45
